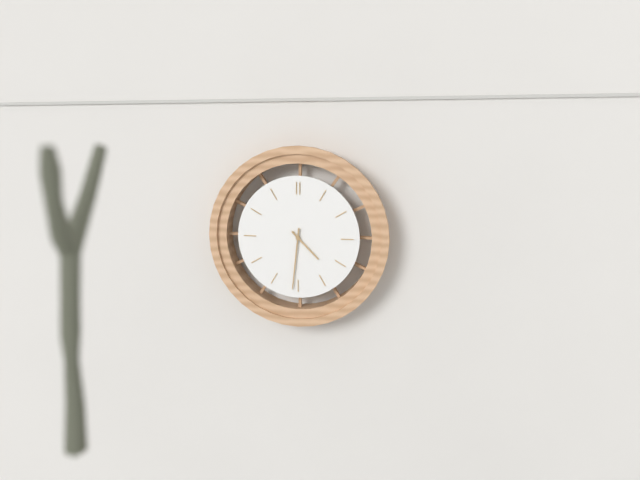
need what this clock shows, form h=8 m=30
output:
h=4 m=31
